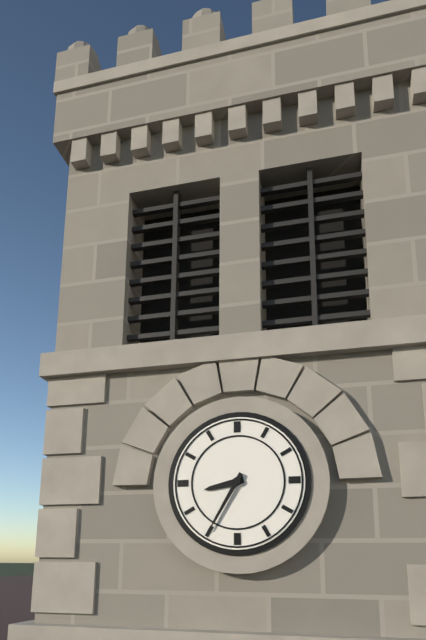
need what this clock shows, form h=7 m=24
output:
h=8 m=35
